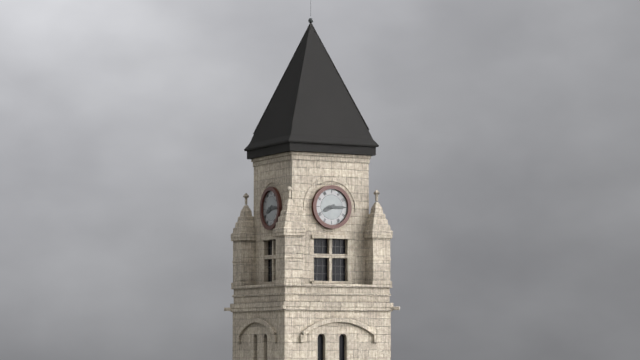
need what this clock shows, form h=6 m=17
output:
h=8 m=15
